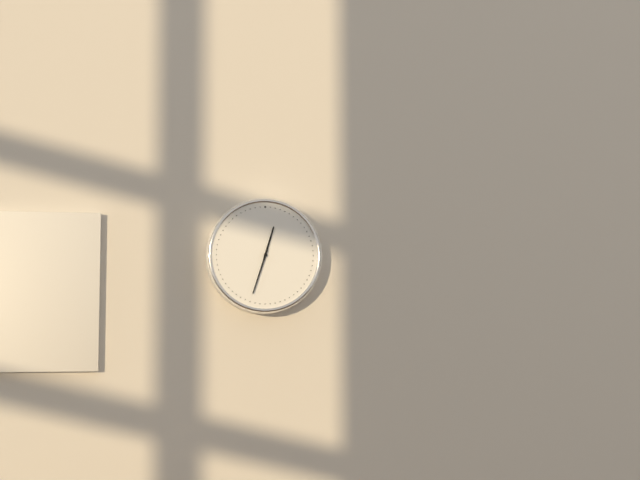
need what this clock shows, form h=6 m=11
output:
h=12 m=33
